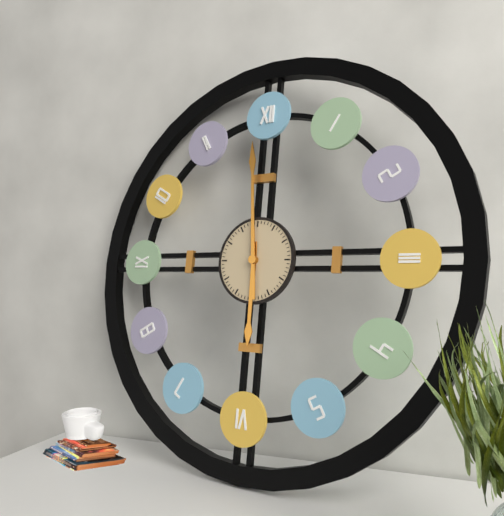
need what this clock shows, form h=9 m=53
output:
h=5 m=59
